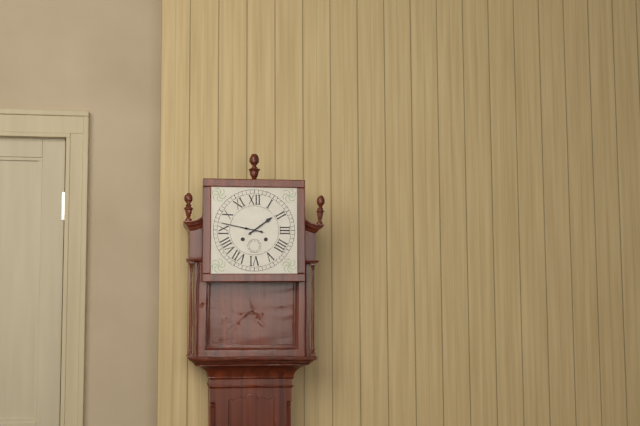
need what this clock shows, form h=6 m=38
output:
h=1 m=47
